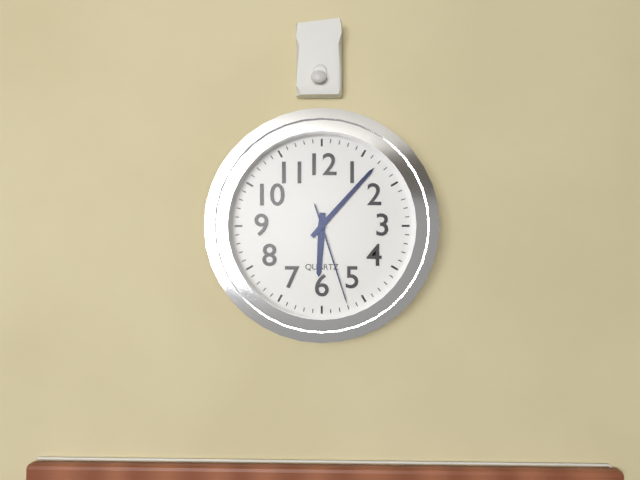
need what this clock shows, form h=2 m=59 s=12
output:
h=6 m=7 s=27
